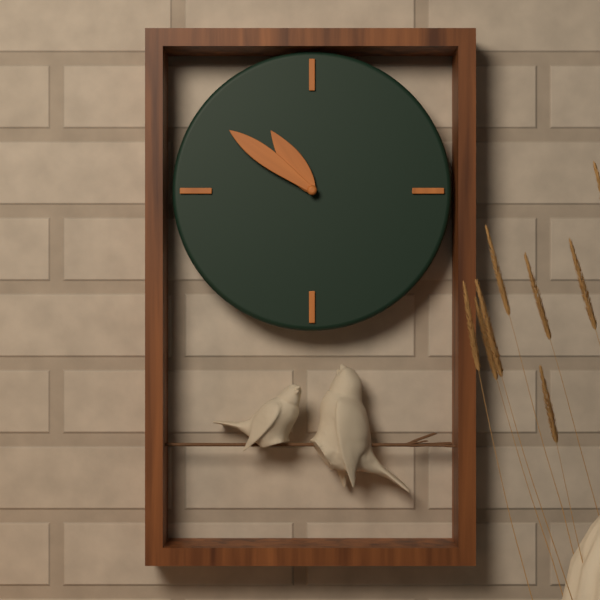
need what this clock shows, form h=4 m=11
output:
h=10 m=51
